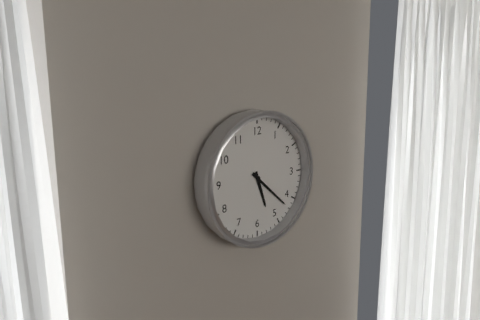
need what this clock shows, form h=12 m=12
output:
h=5 m=22
